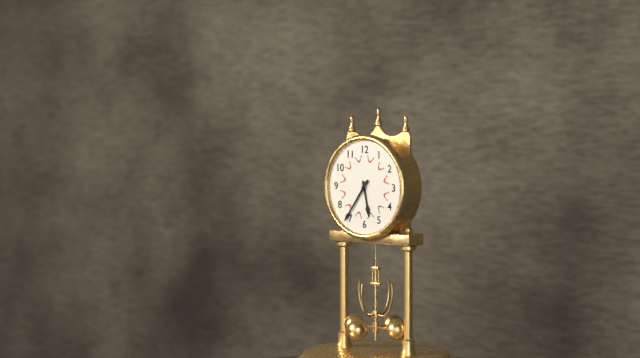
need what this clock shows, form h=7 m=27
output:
h=5 m=36
